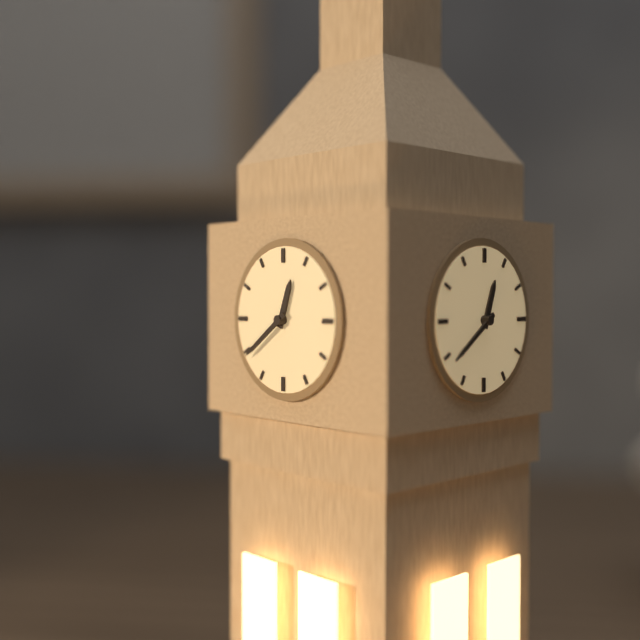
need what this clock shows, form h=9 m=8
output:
h=12 m=39
